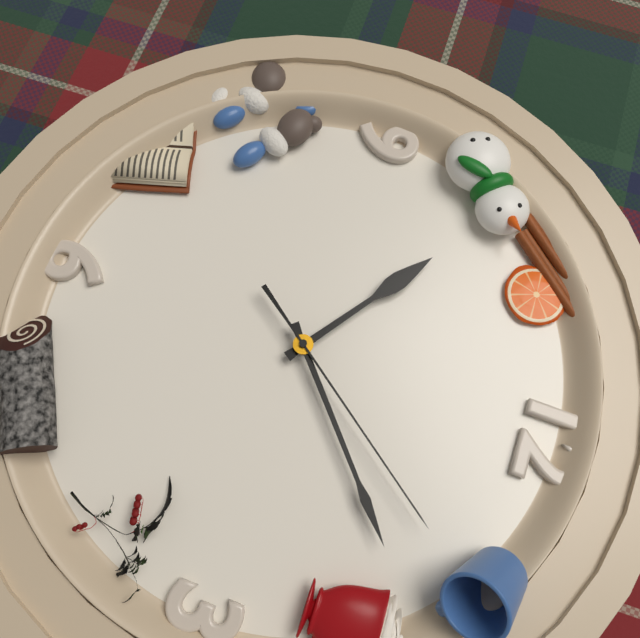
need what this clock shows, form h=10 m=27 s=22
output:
h=10 m=8 s=6
